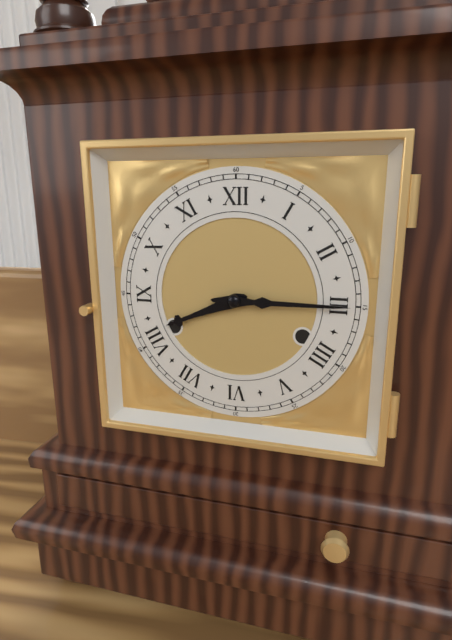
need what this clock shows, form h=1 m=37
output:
h=8 m=15
